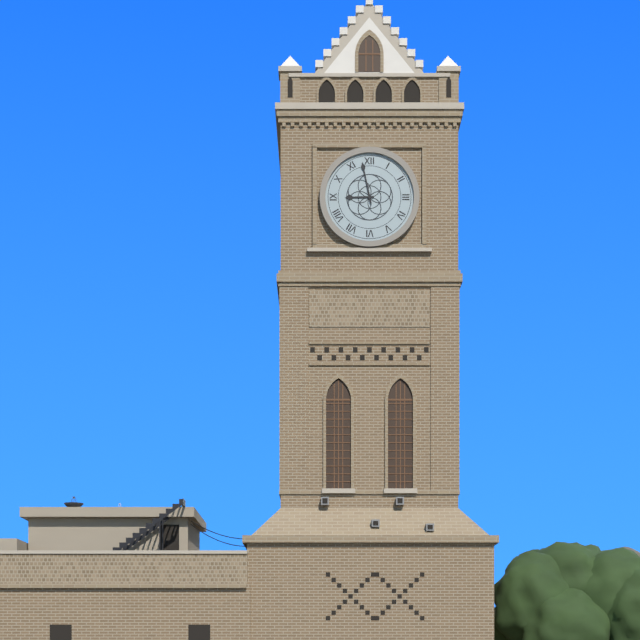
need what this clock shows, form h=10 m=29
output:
h=8 m=58
